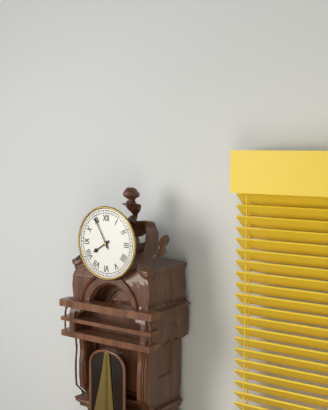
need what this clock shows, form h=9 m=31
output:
h=7 m=55
